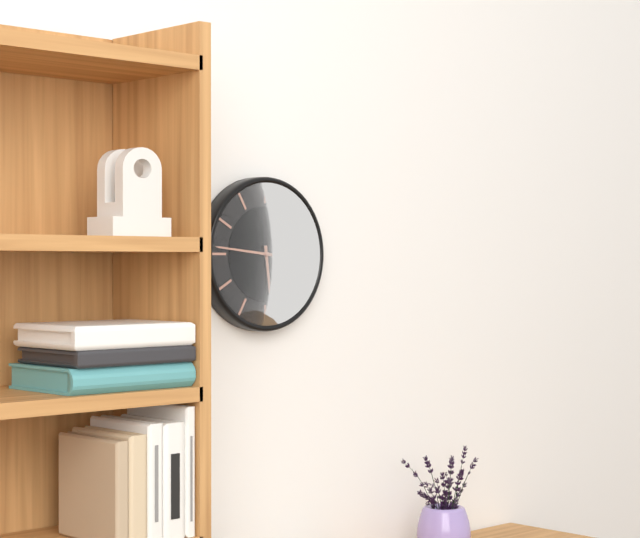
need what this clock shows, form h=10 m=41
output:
h=5 m=46
